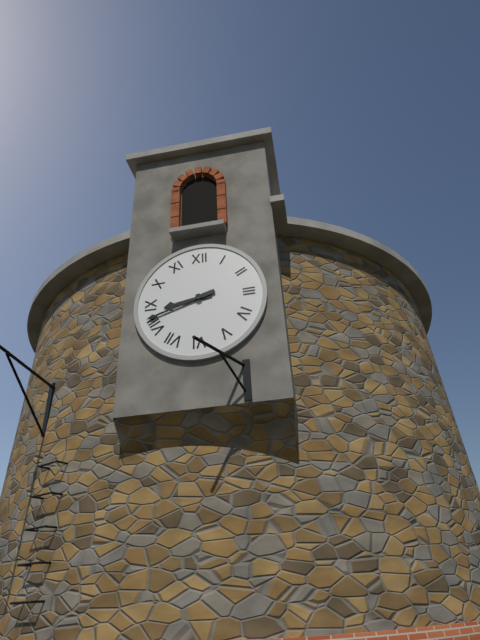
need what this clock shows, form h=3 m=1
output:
h=8 m=42
